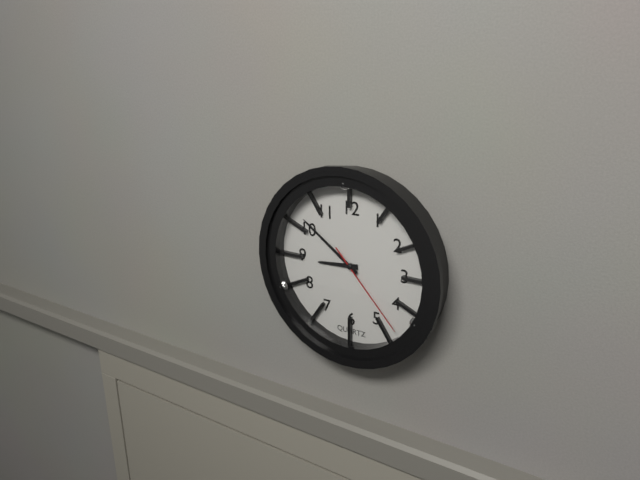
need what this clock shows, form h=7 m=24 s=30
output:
h=8 m=51 s=23
